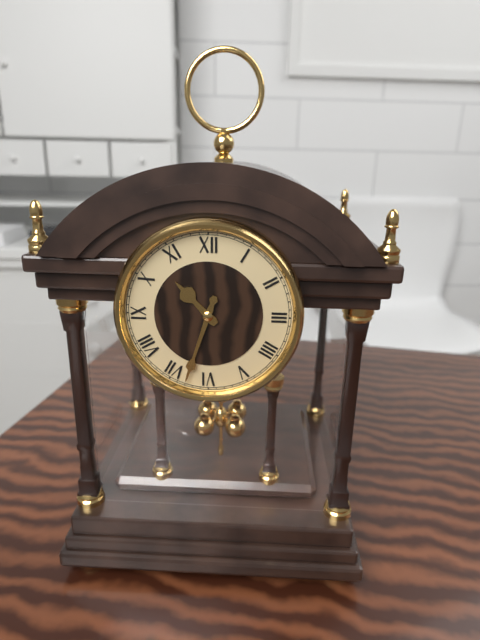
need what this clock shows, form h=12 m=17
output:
h=10 m=33
